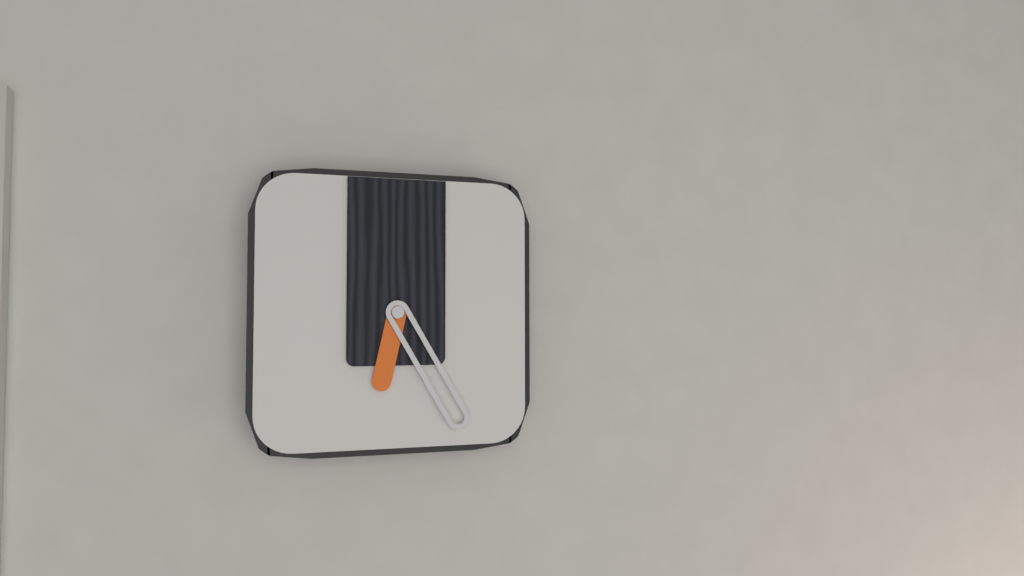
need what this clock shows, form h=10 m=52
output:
h=6 m=25
